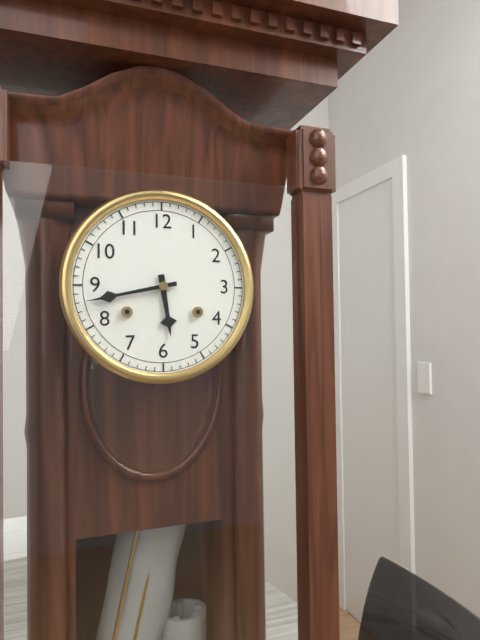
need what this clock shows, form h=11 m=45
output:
h=5 m=43
